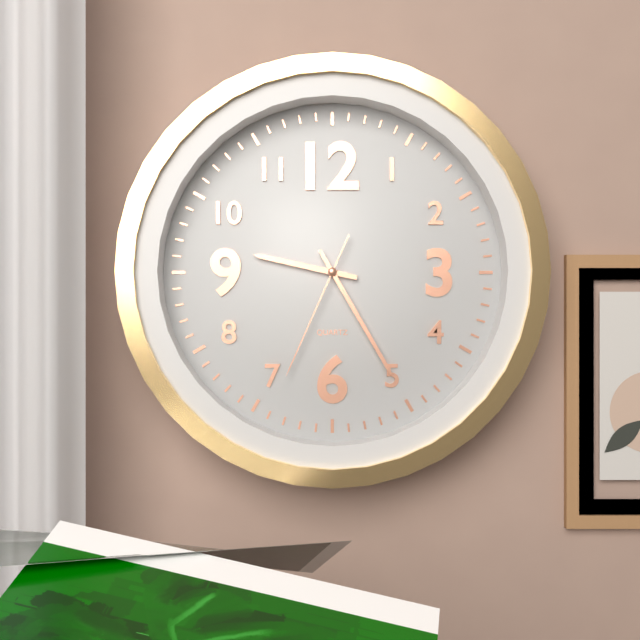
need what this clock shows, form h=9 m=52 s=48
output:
h=9 m=25 s=34
